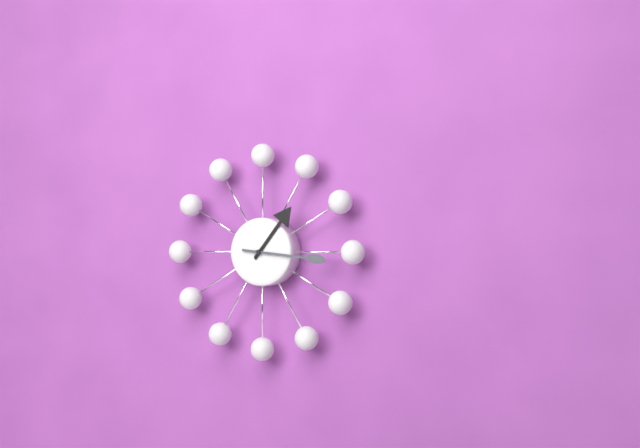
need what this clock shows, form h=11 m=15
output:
h=1 m=16
